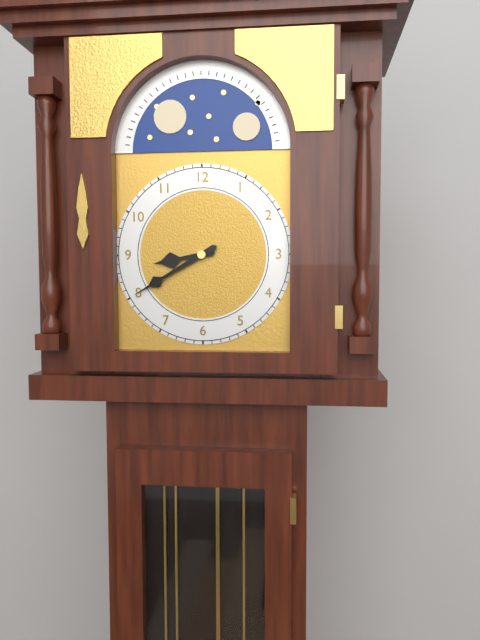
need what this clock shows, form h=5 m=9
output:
h=8 m=40
